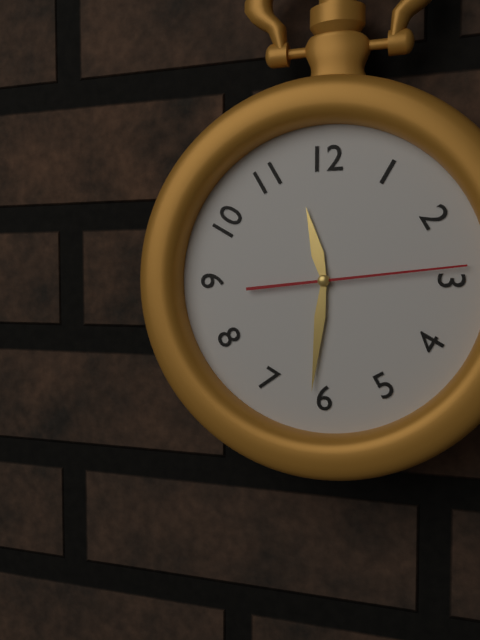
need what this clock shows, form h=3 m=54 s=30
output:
h=11 m=31 s=14
